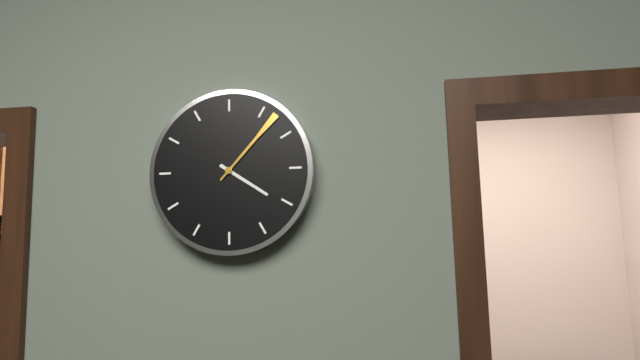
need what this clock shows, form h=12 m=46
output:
h=4 m=7
